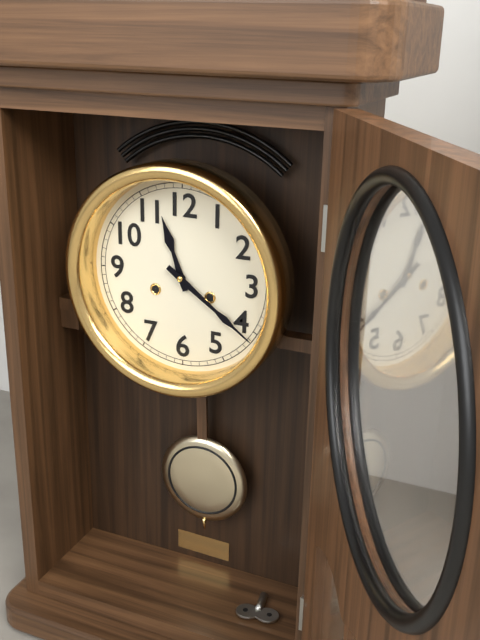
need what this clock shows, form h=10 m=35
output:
h=11 m=21
